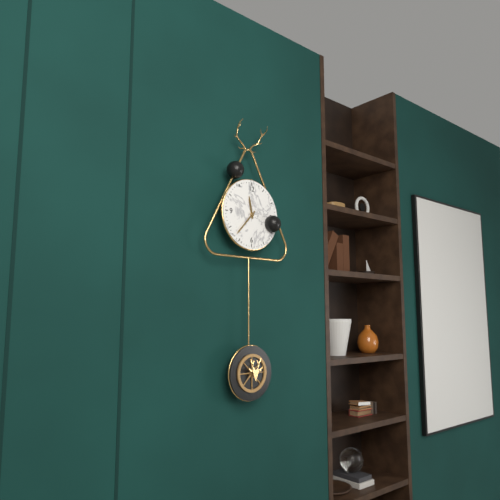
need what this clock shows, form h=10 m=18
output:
h=11 m=37
